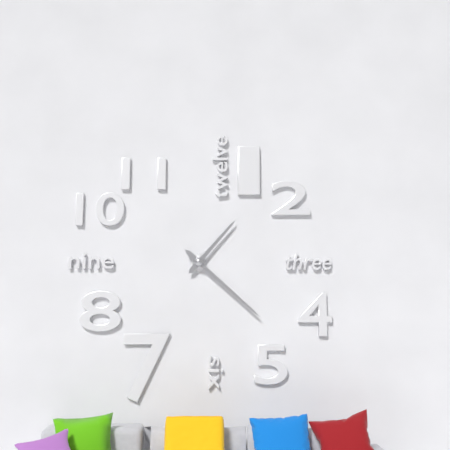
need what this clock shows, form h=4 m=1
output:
h=1 m=22
